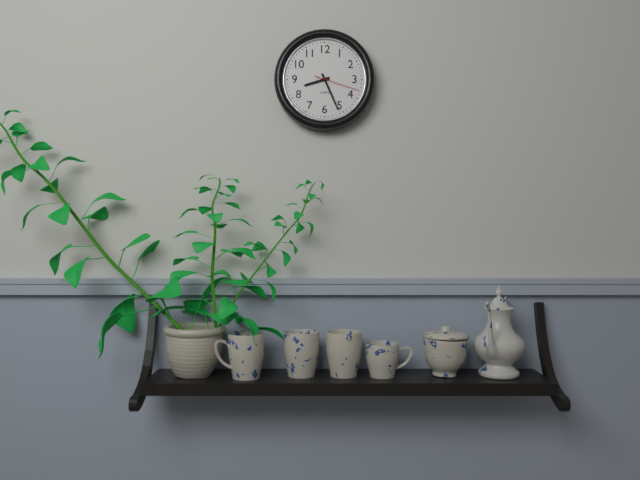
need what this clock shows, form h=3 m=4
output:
h=8 m=26
